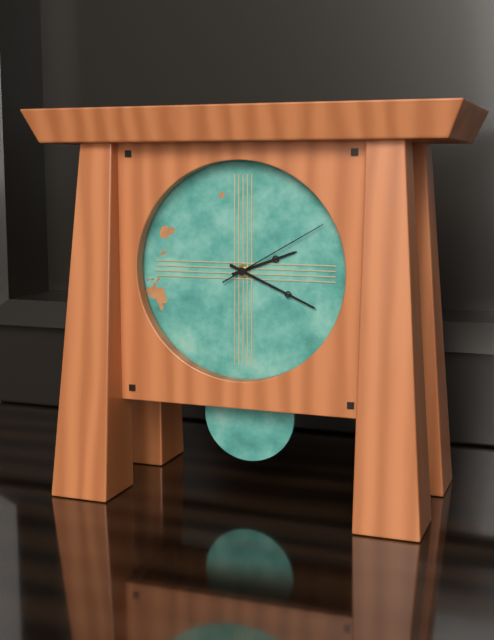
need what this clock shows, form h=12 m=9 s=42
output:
h=2 m=19 s=10
